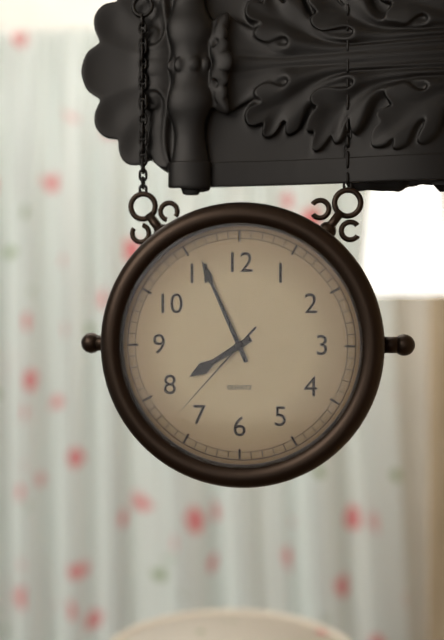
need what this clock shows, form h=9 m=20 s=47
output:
h=7 m=56 s=37
